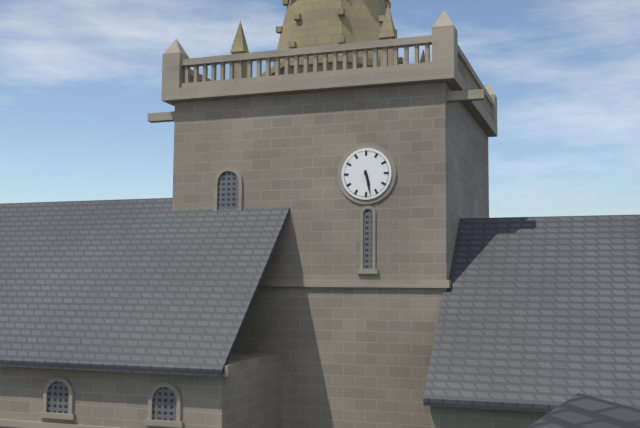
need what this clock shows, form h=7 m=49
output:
h=5 m=28
